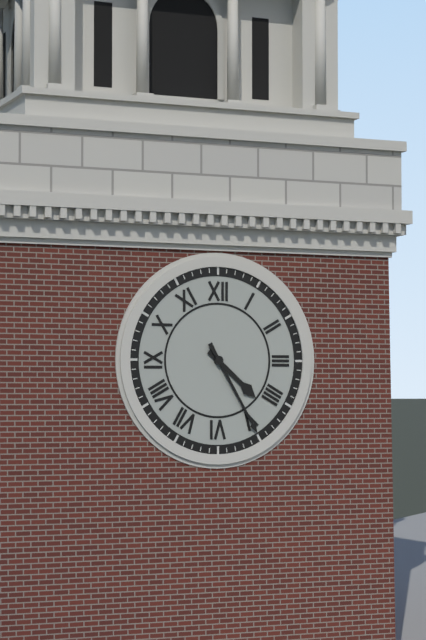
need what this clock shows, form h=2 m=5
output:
h=4 m=25
